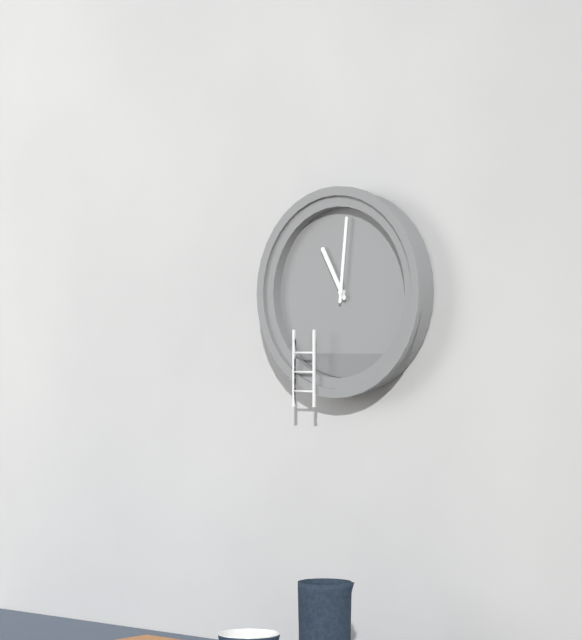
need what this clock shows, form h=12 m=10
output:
h=11 m=1
